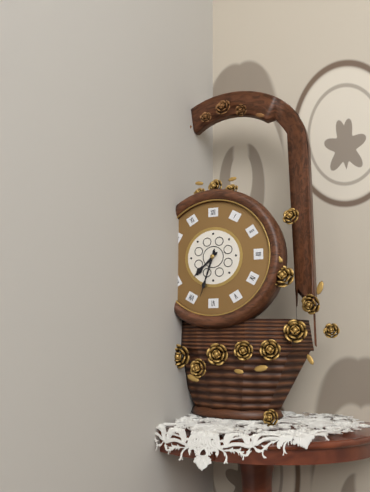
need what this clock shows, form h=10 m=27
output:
h=7 m=33
